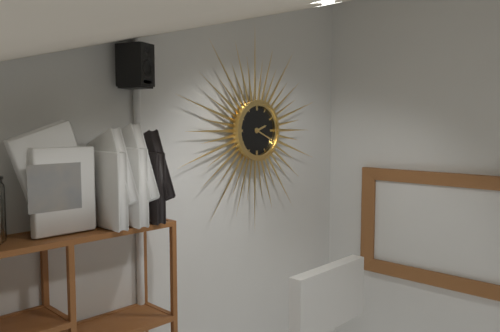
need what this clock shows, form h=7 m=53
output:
h=2 m=19
